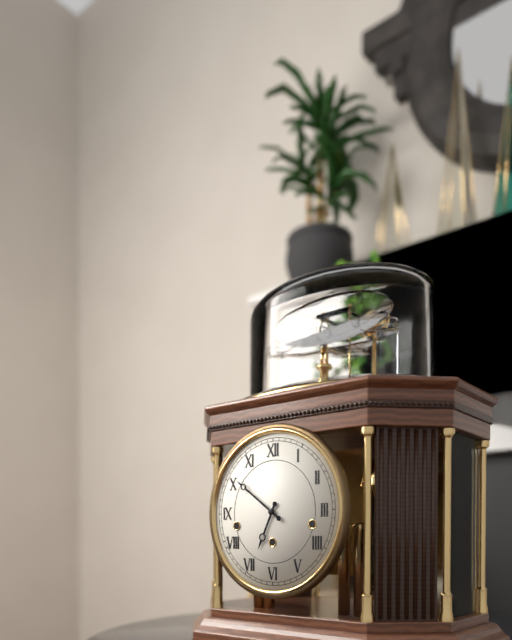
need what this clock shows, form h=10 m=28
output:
h=6 m=51
